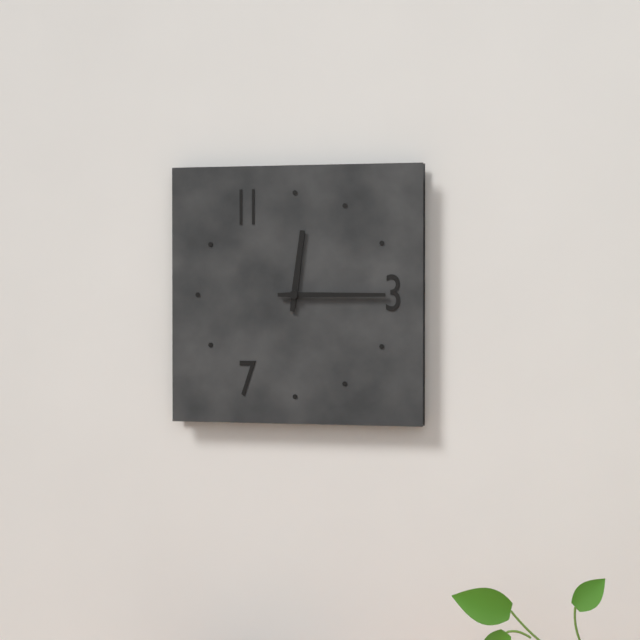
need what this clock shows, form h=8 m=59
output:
h=12 m=15
